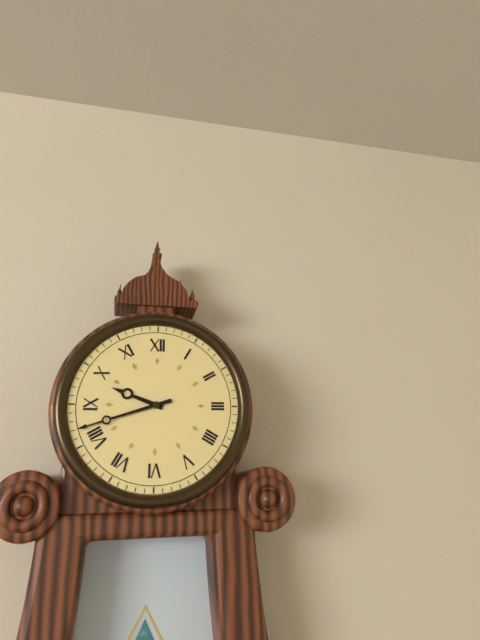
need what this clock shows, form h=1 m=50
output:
h=9 m=42
